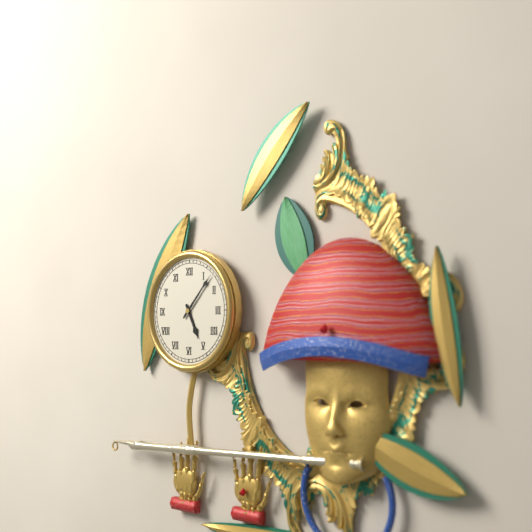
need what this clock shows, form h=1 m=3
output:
h=5 m=7
